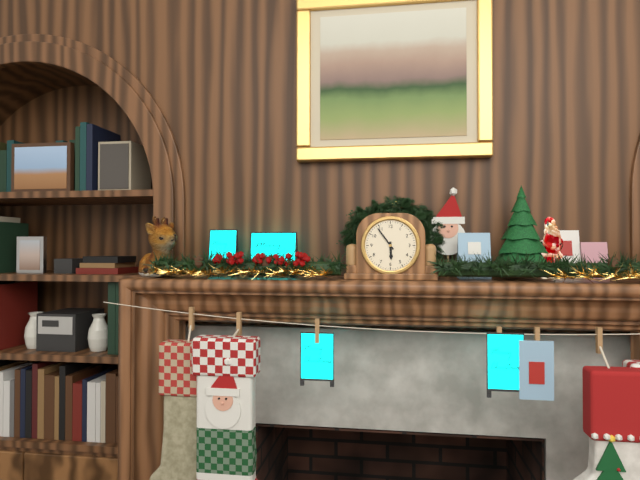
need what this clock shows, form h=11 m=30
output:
h=5 m=54
